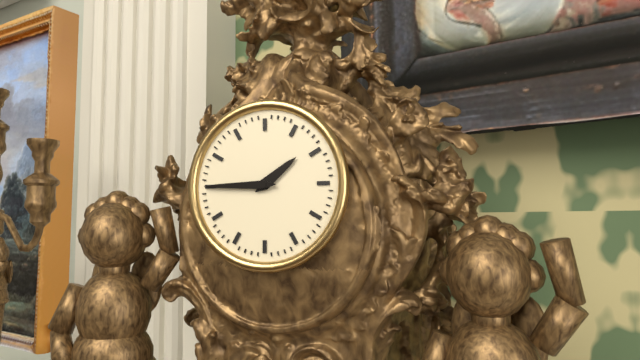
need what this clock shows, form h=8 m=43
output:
h=1 m=45
